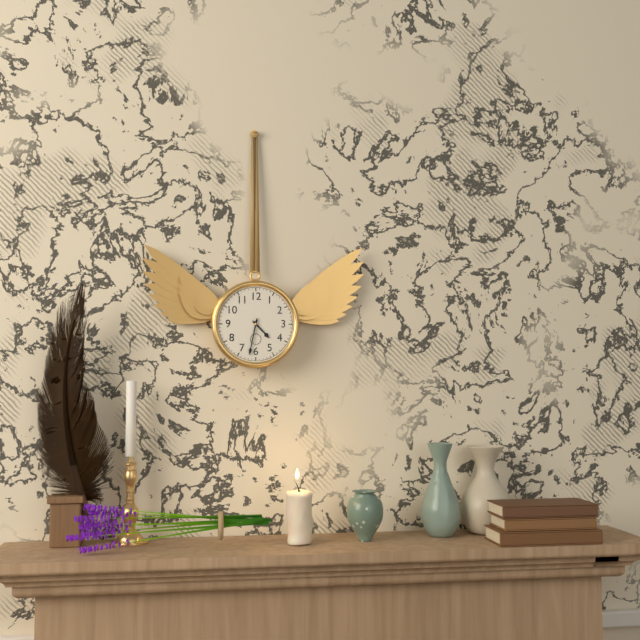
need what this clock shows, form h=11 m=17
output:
h=4 m=32
